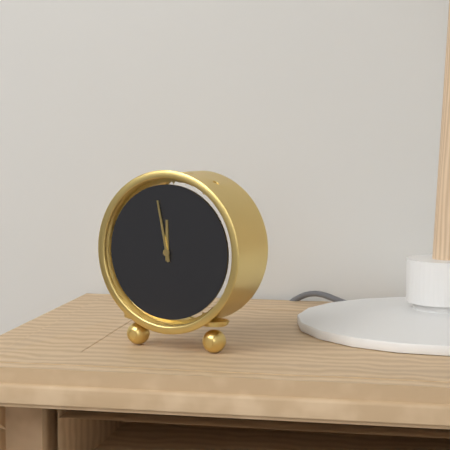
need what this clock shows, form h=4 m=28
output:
h=11 m=58
